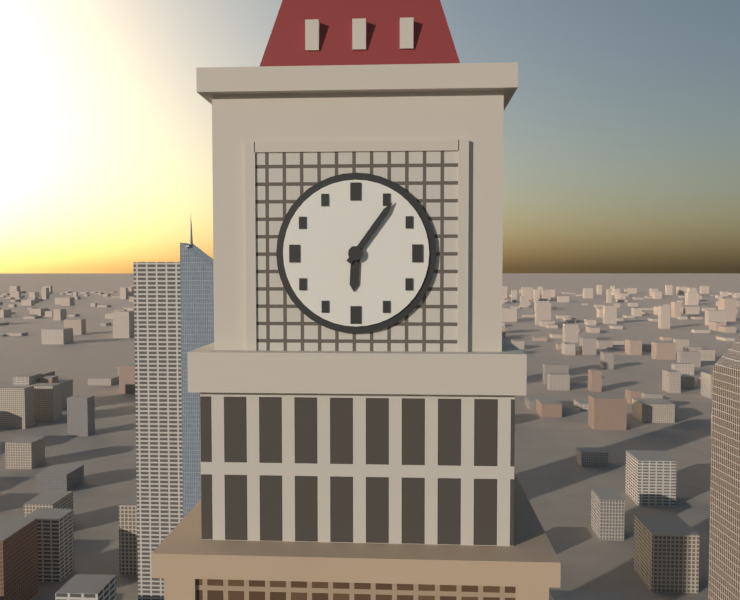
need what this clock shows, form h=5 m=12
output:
h=6 m=6
